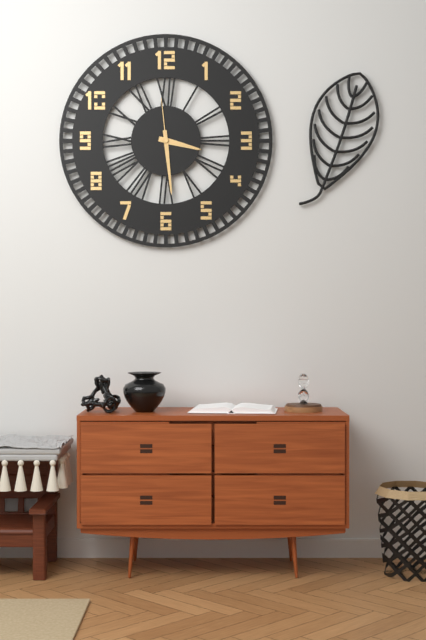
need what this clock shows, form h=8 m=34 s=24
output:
h=3 m=29 s=59
